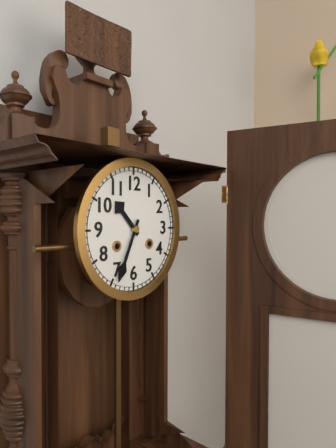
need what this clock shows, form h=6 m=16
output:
h=10 m=34
